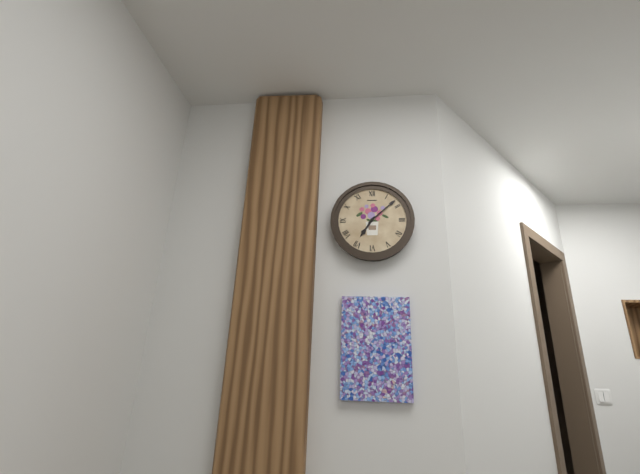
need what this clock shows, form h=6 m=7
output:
h=7 m=8
